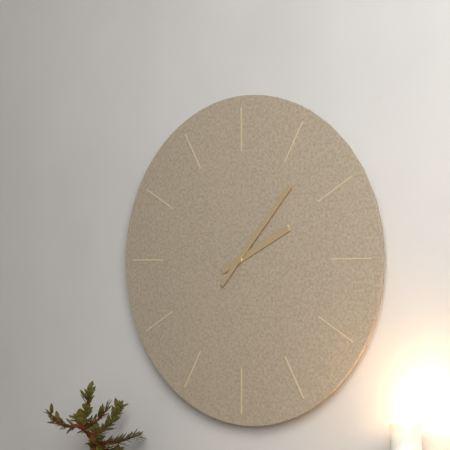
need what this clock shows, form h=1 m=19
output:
h=2 m=7
